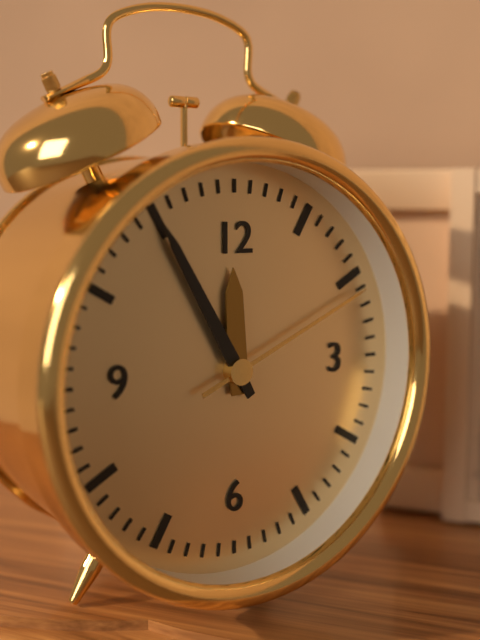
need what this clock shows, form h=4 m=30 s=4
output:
h=11 m=55 s=11
